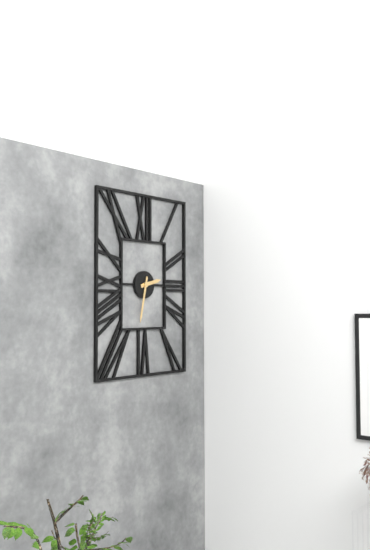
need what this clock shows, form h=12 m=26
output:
h=2 m=32
